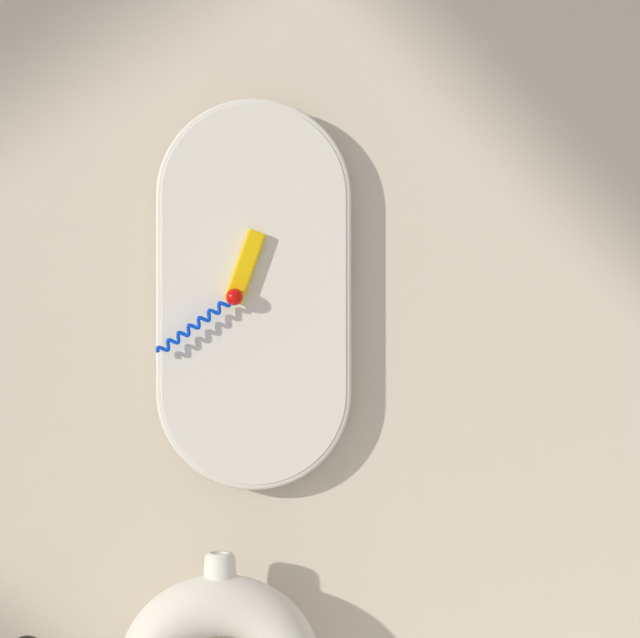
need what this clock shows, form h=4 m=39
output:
h=12 m=39
